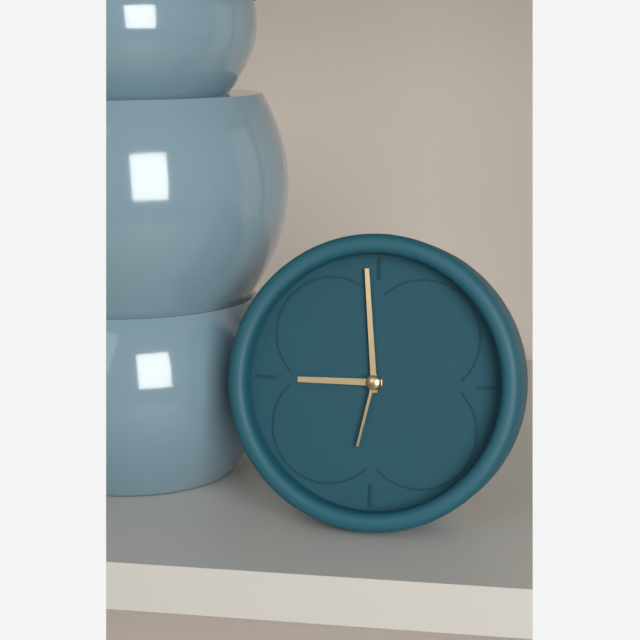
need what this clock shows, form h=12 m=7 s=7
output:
h=8 m=59 s=32
